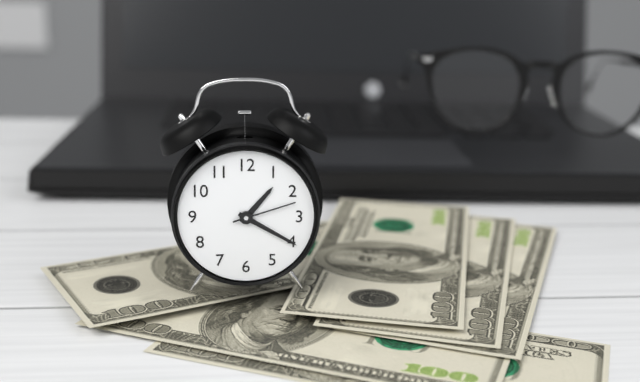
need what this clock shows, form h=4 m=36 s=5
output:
h=1 m=20 s=12
